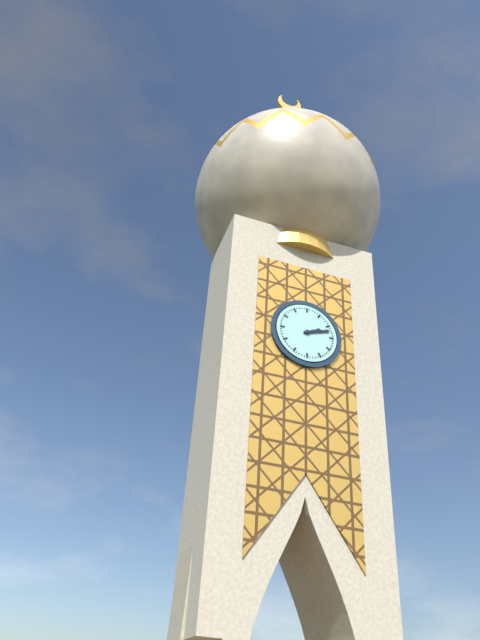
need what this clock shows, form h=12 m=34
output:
h=2 m=12
